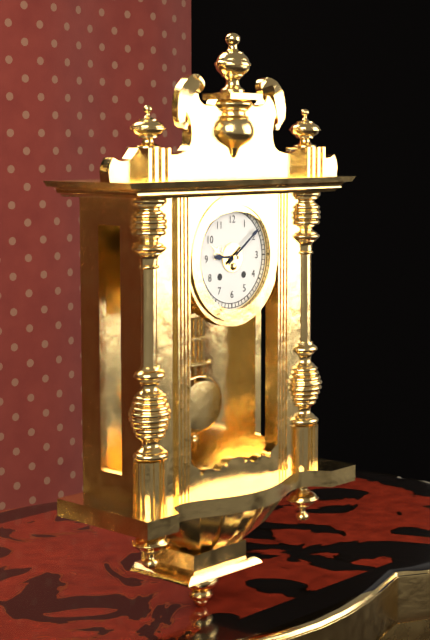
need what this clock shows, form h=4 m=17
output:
h=9 m=9
